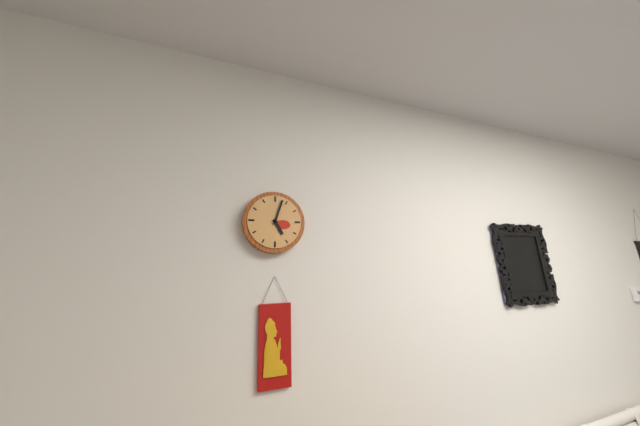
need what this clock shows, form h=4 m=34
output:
h=5 m=3
